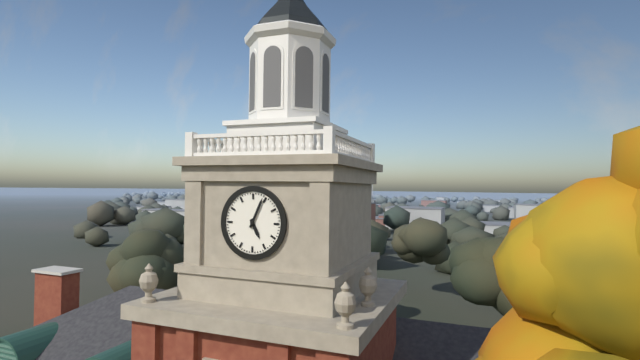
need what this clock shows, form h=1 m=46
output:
h=5 m=4
